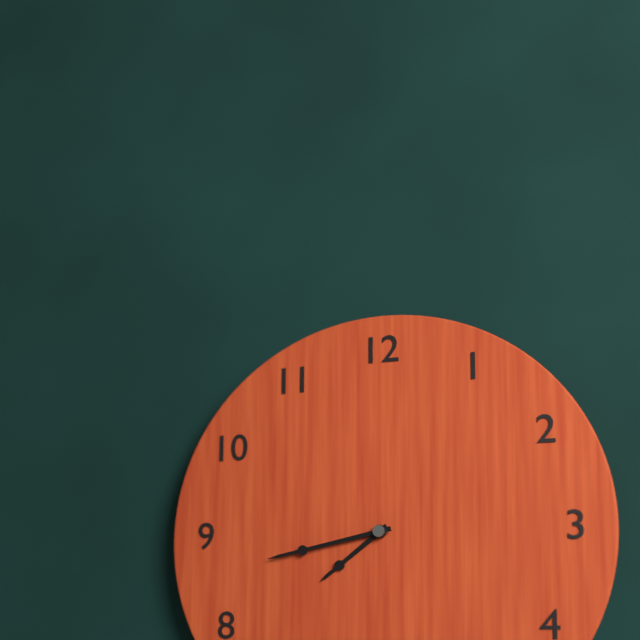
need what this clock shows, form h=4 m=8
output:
h=7 m=43
